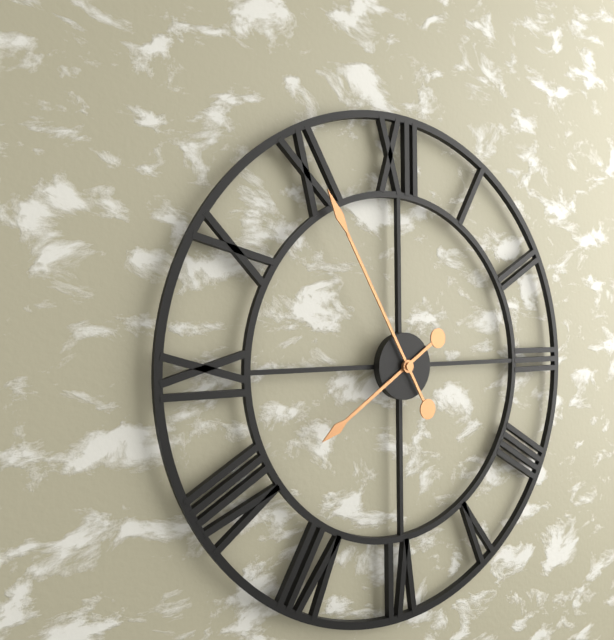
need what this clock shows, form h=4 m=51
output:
h=7 m=55
